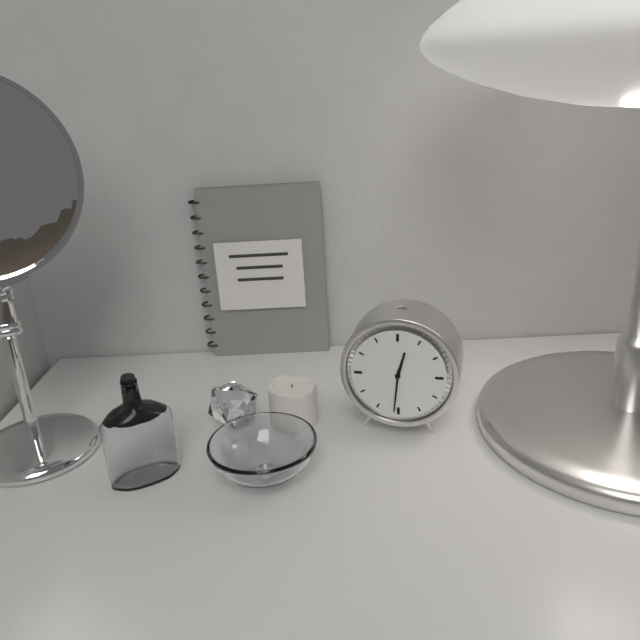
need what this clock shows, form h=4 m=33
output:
h=12 m=31
